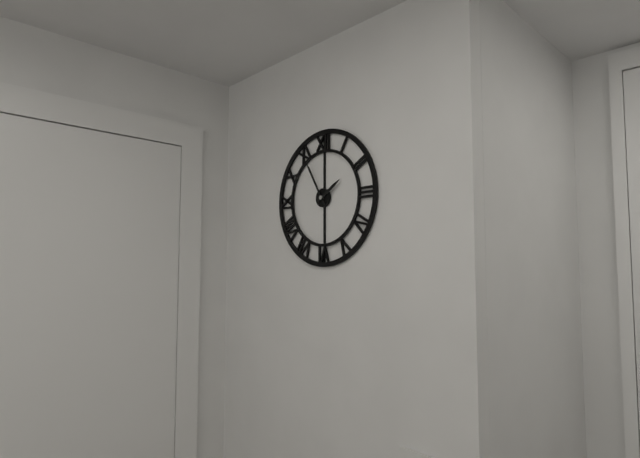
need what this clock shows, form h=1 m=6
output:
h=1 m=55
